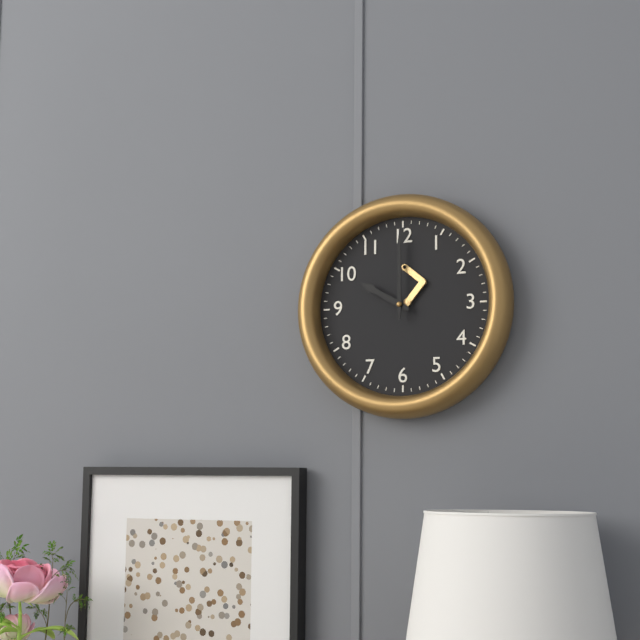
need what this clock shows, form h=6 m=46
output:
h=10 m=0
